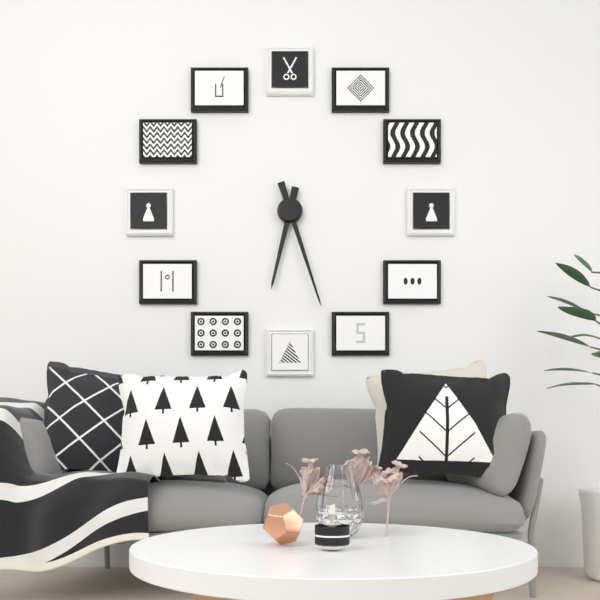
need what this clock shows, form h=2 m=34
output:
h=6 m=27
